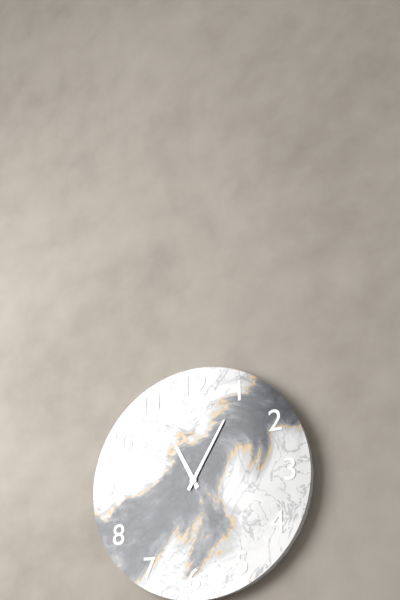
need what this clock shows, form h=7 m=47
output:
h=11 m=5
